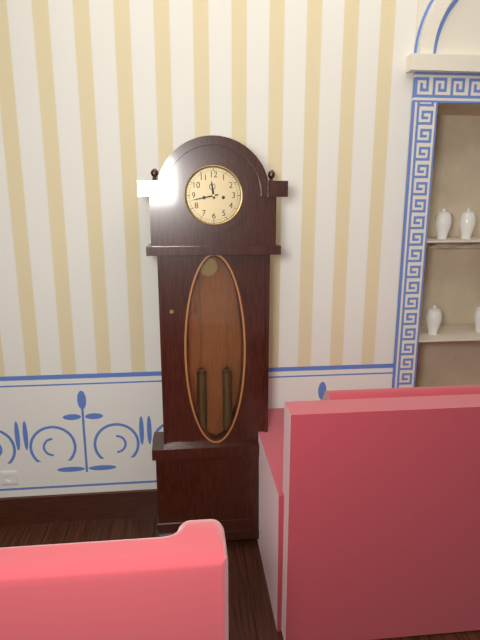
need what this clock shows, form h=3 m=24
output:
h=11 m=43
